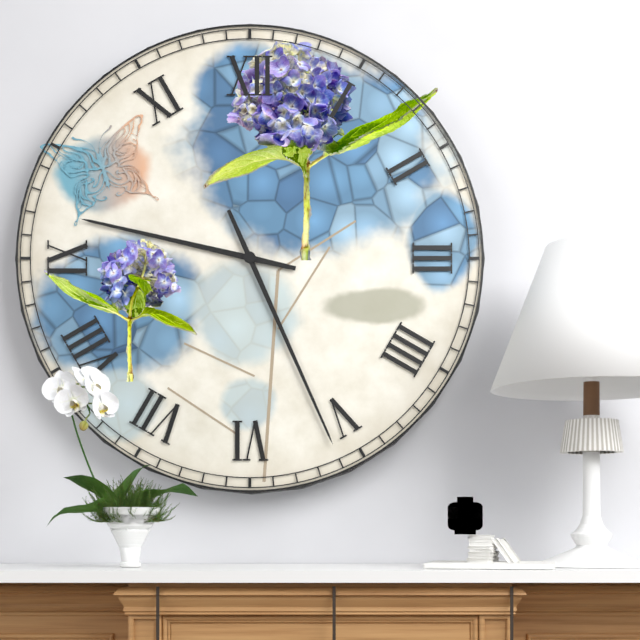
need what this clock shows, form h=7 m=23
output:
h=9 m=26
